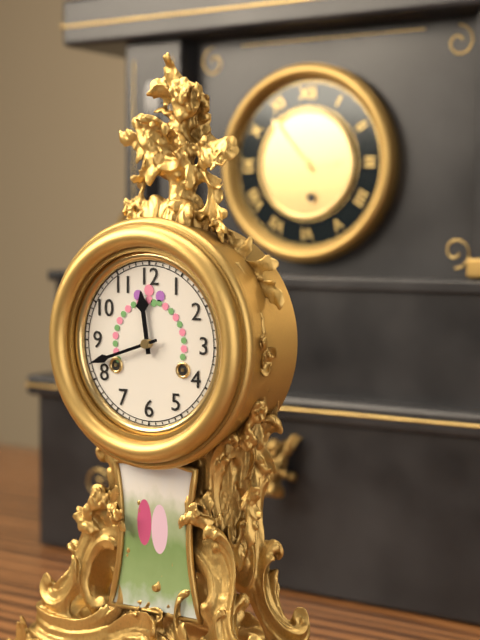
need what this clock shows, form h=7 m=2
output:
h=11 m=42
